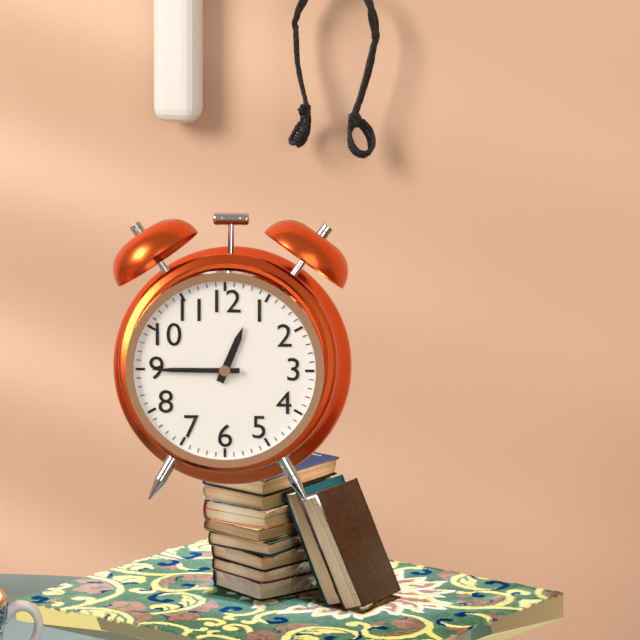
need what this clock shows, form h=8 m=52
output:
h=12 m=45
